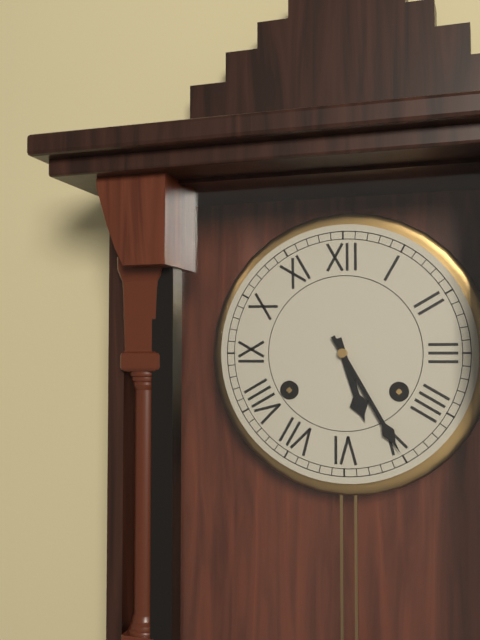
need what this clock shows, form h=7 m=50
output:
h=5 m=25
